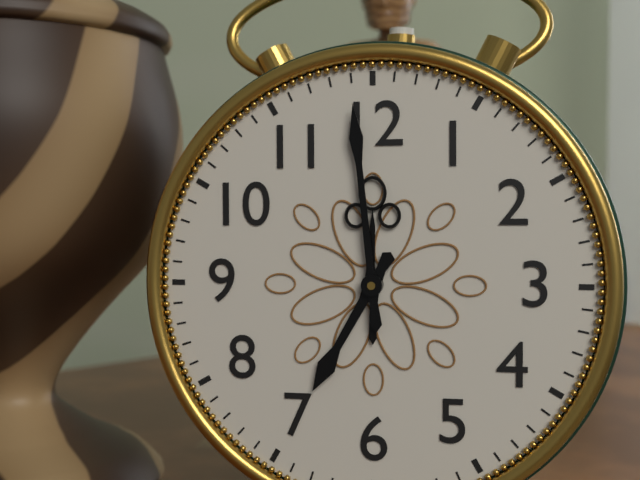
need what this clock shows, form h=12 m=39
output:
h=6 m=59
